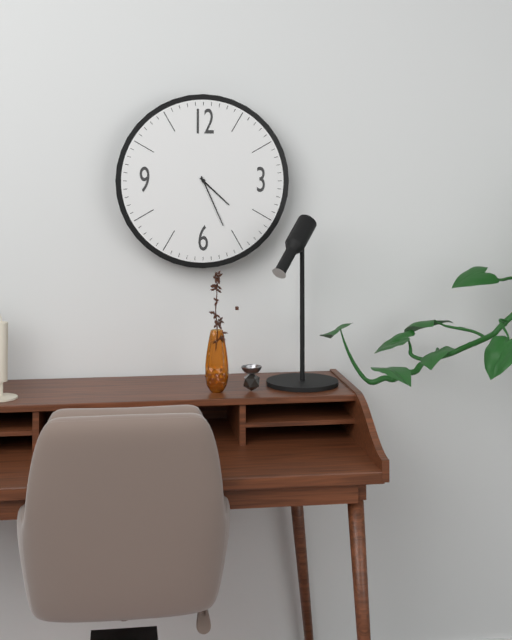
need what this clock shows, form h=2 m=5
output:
h=4 m=26
